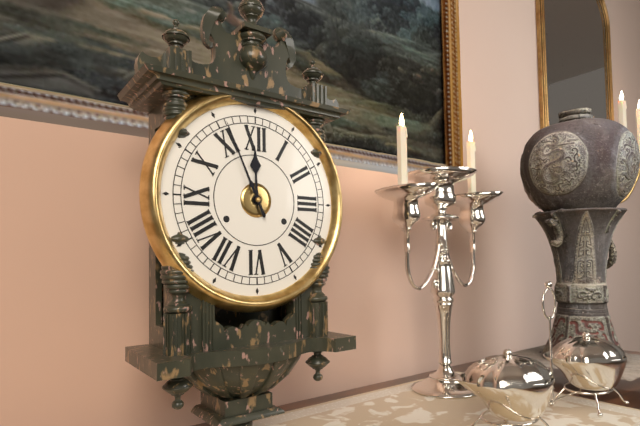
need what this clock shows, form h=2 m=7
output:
h=11 m=56
